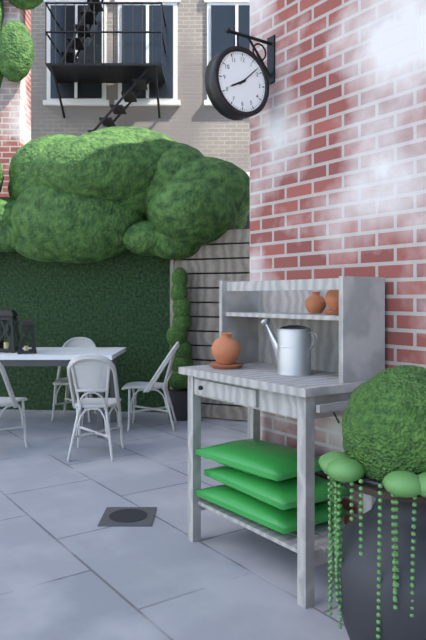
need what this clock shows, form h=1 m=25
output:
h=8 m=8
